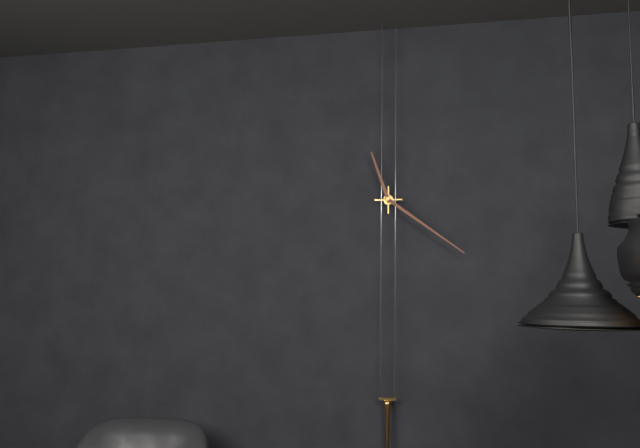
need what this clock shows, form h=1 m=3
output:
h=11 m=21
